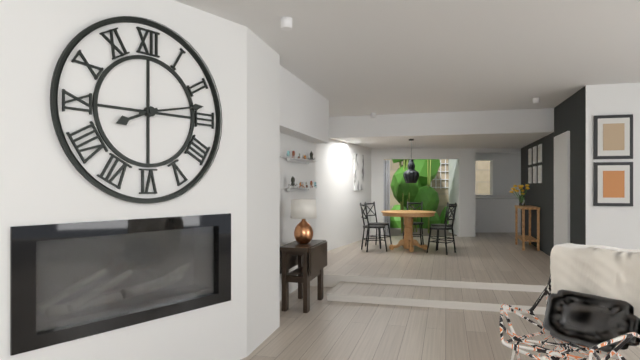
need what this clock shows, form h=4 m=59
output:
h=8 m=13
